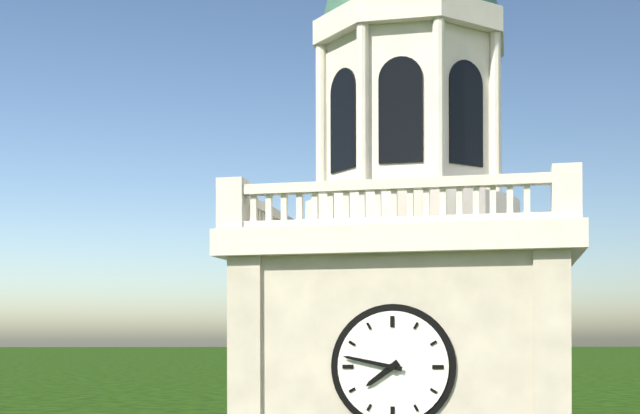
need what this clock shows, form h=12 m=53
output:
h=7 m=47
